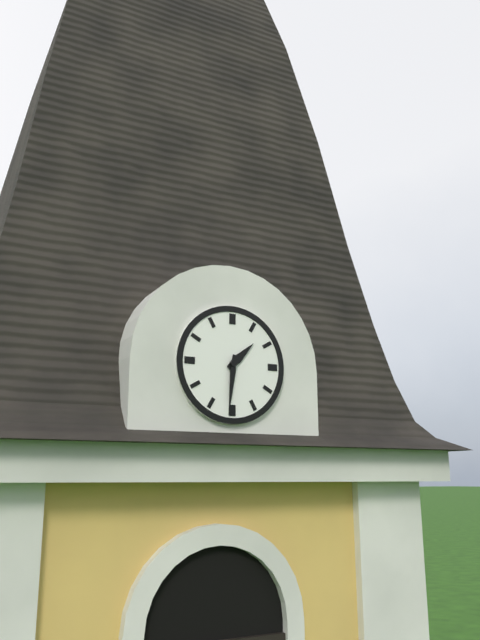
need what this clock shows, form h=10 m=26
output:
h=1 m=31
